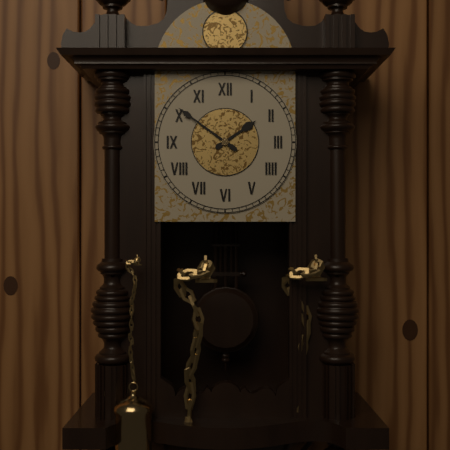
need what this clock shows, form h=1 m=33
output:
h=1 m=51
